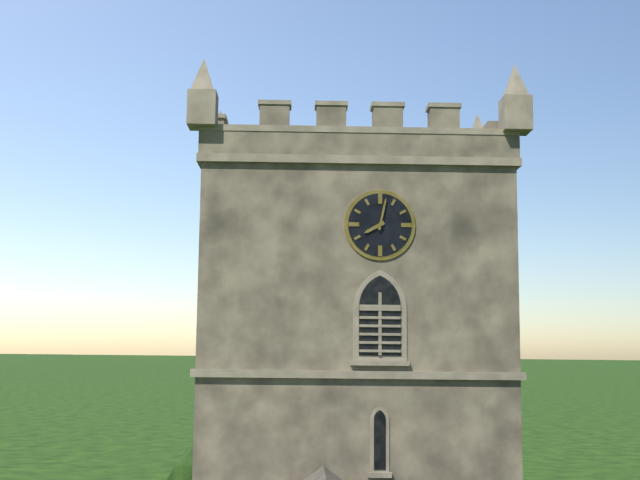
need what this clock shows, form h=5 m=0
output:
h=8 m=2
